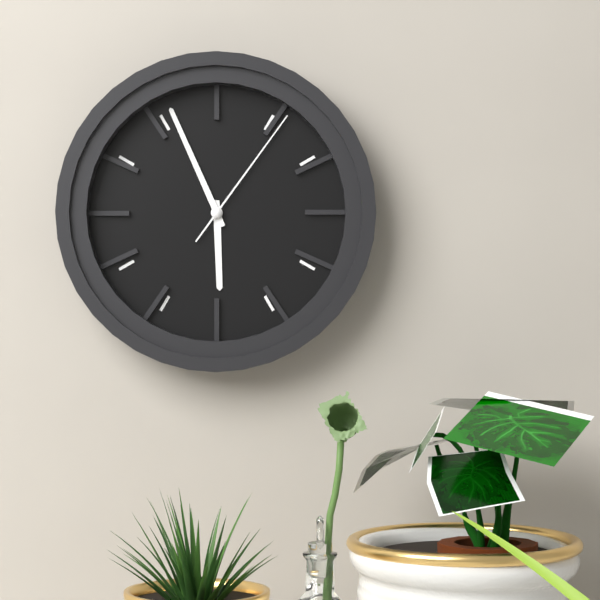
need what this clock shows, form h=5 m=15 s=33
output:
h=5 m=56 s=6
